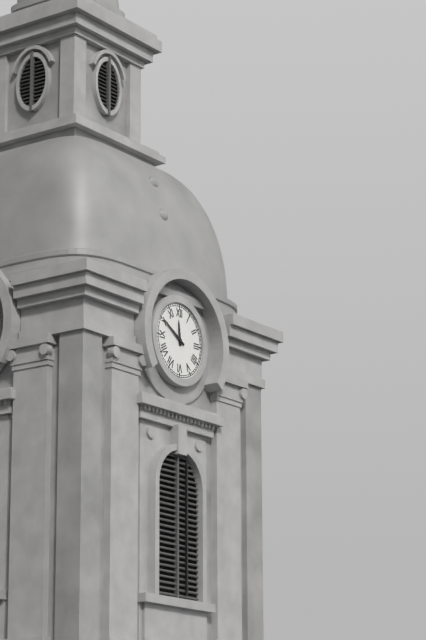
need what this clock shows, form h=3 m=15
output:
h=11 m=50
